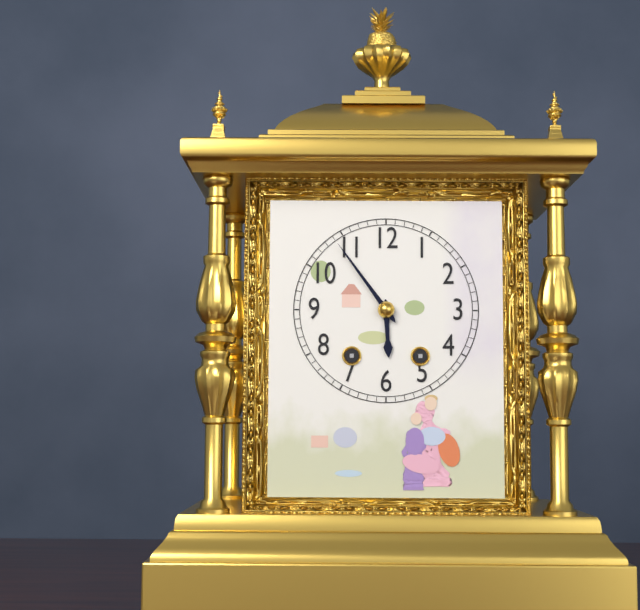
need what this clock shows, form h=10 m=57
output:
h=5 m=54
